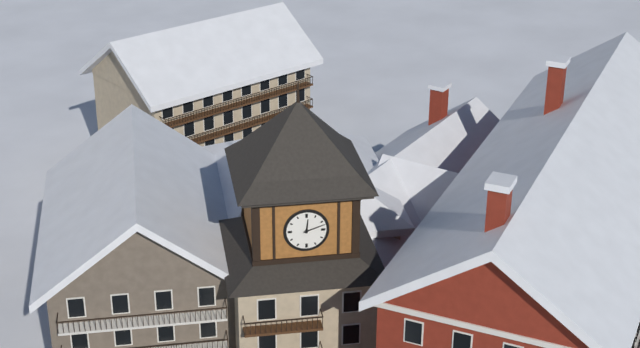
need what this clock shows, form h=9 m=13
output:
h=12 m=12
